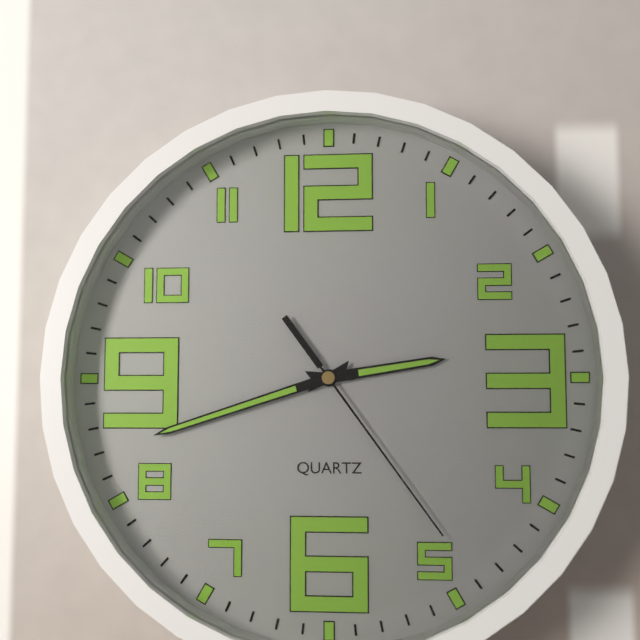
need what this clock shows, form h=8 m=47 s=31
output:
h=2 m=42 s=24
